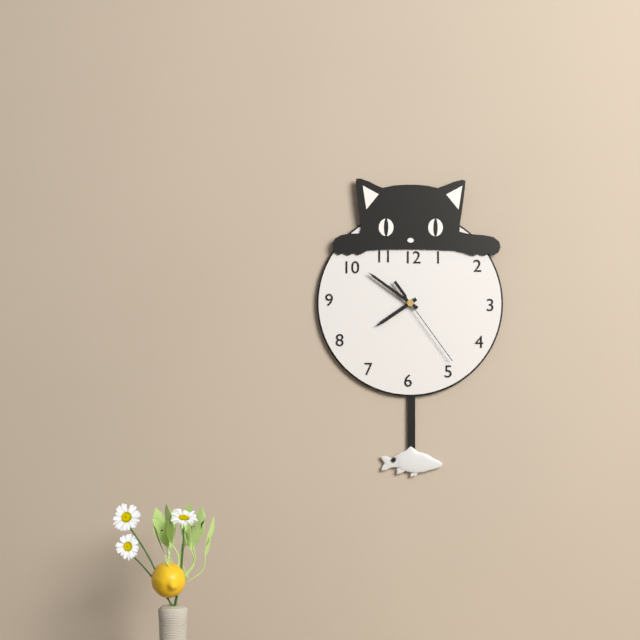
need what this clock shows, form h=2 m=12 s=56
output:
h=7 m=51 s=24
